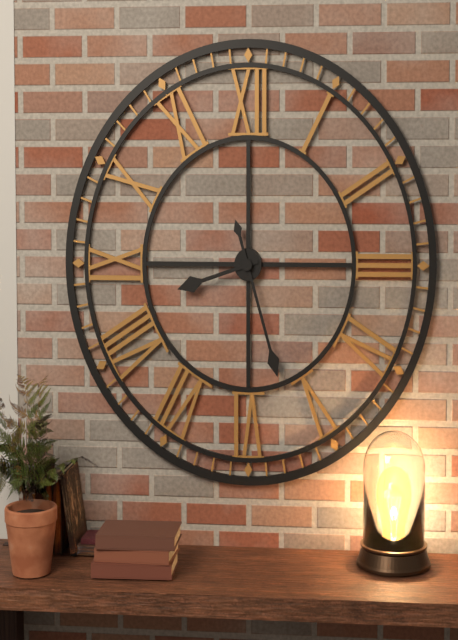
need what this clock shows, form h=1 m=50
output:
h=8 m=27
